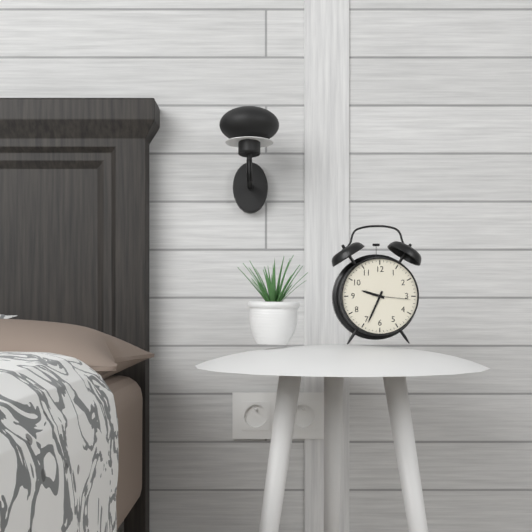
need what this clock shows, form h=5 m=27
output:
h=9 m=34
